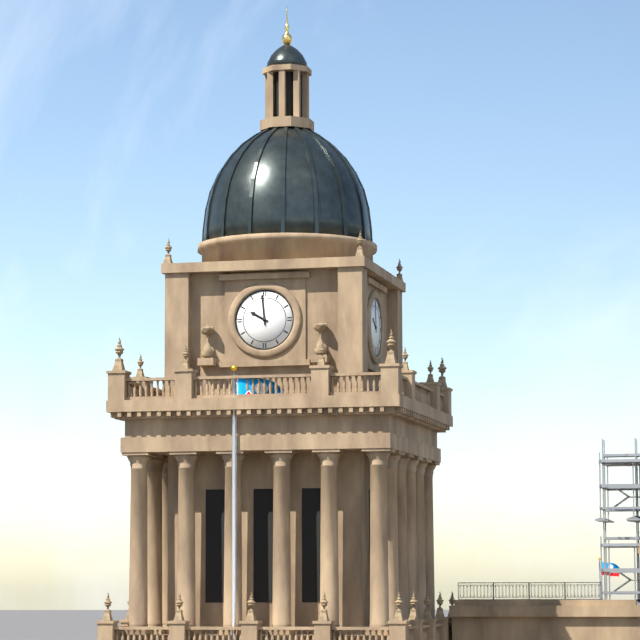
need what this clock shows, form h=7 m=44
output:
h=9 m=59
